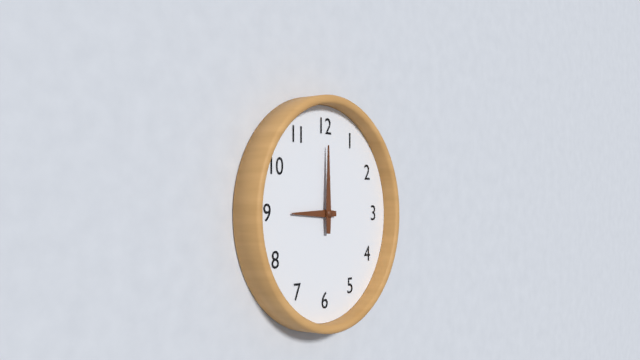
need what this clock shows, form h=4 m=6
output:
h=9 m=0
